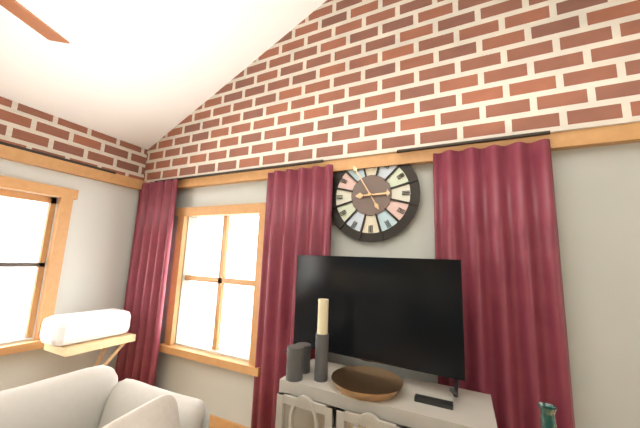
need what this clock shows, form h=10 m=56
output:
h=2 m=55
